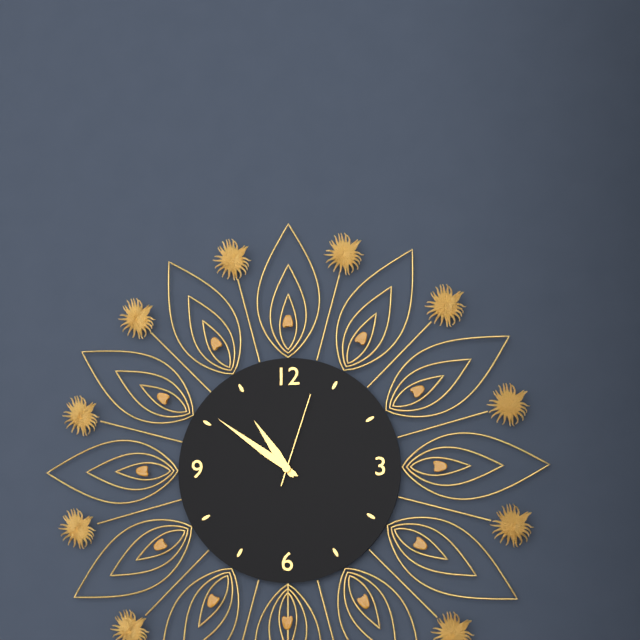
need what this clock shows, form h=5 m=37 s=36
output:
h=10 m=51 s=3
